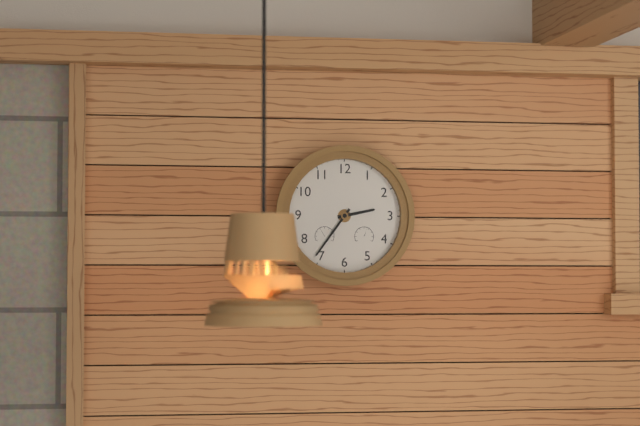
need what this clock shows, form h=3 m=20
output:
h=2 m=36
